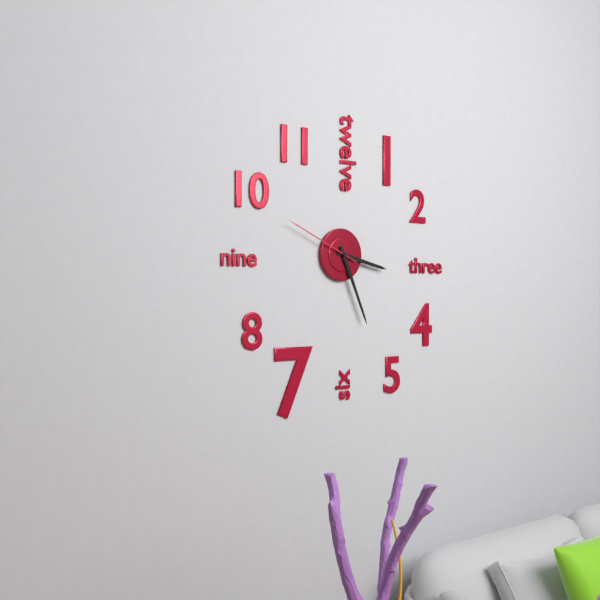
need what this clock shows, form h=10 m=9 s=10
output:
h=3 m=26 s=49
